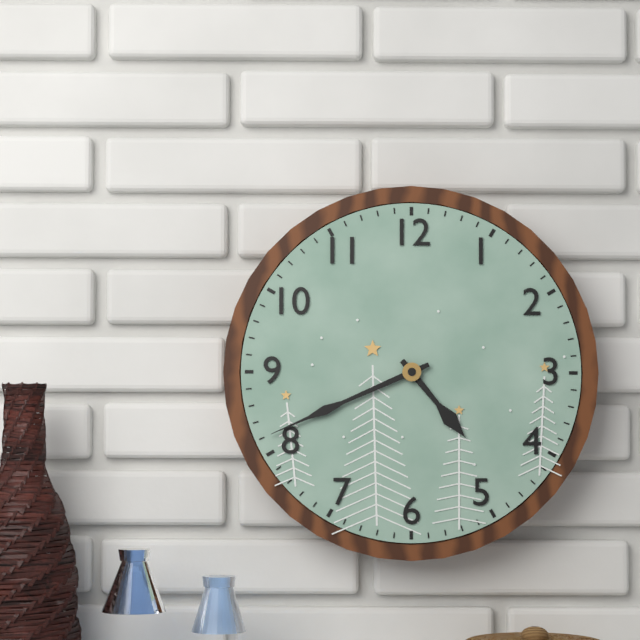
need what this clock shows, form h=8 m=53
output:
h=4 m=41
